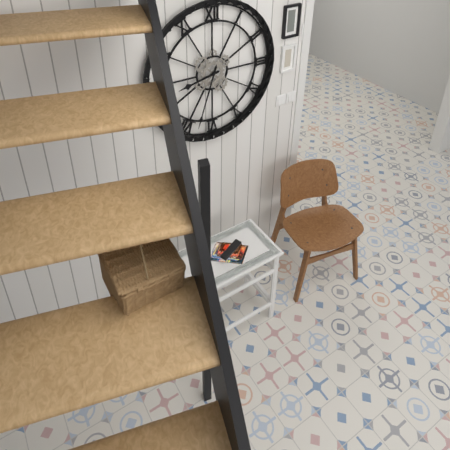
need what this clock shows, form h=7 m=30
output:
h=8 m=33
